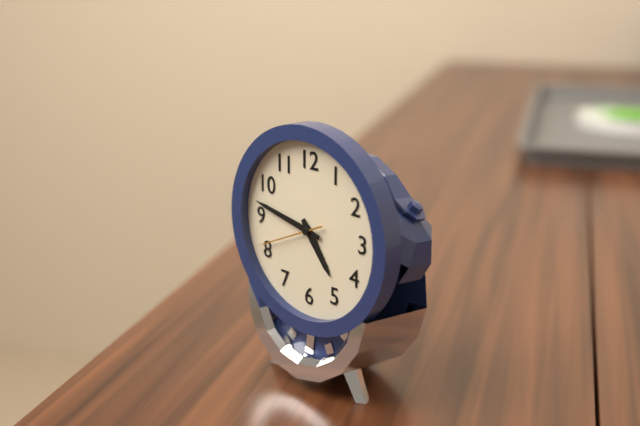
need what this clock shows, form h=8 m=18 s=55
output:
h=4 m=47 s=41
